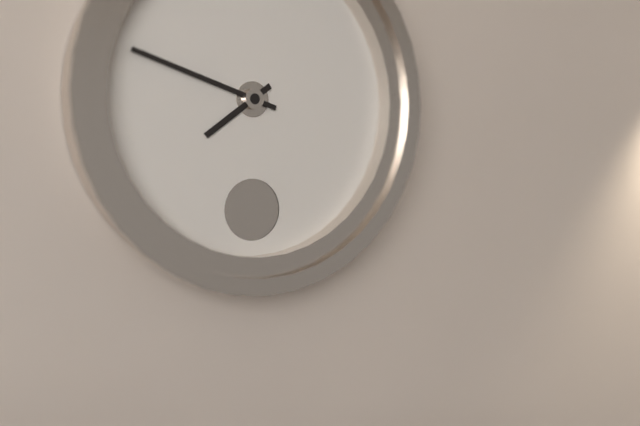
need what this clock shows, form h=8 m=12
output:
h=7 m=48
